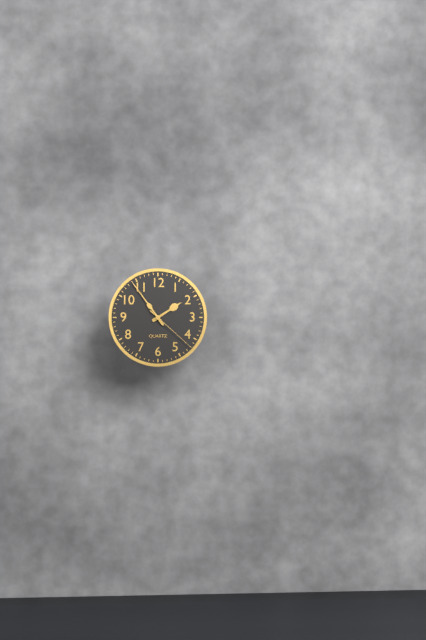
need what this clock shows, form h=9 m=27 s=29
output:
h=1 m=54 s=22
